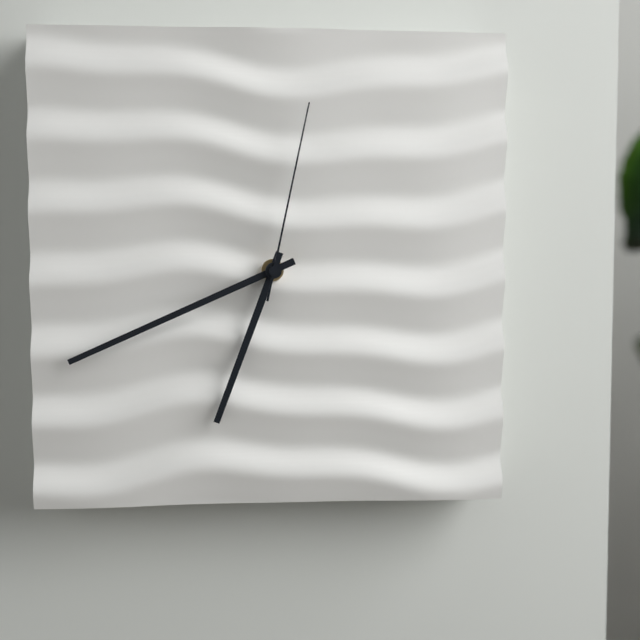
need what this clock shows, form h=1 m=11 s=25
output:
h=6 m=41 s=2
